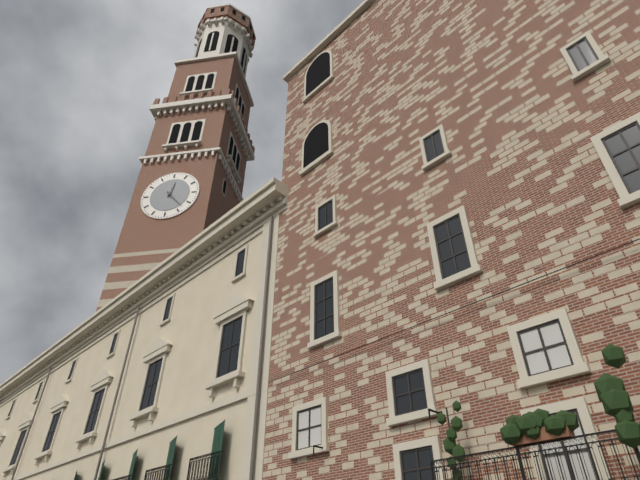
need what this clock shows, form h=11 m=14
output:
h=12 m=23
